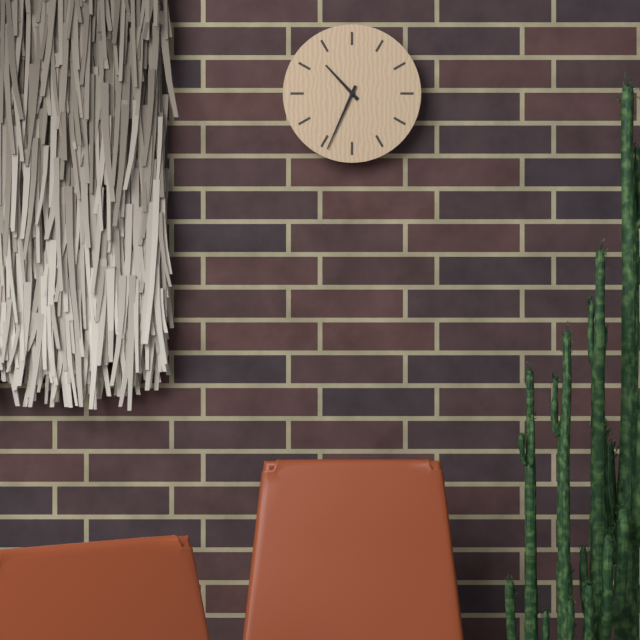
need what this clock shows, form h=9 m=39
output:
h=10 m=34
